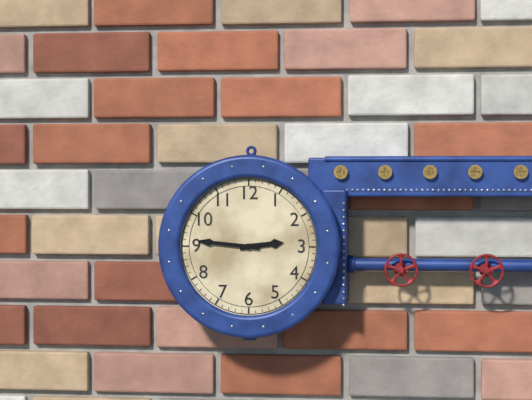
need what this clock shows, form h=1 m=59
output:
h=2 m=46
